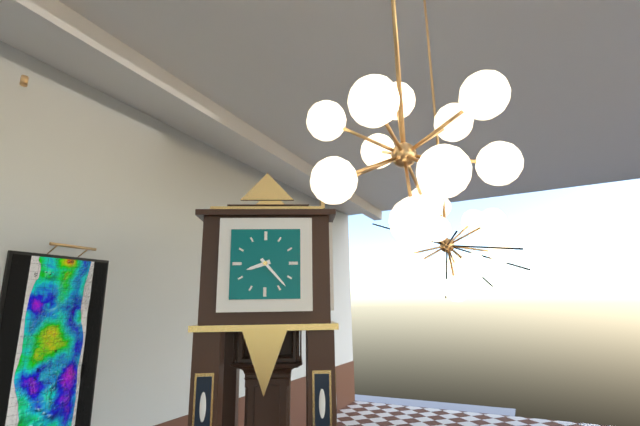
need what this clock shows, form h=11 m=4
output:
h=8 m=23
